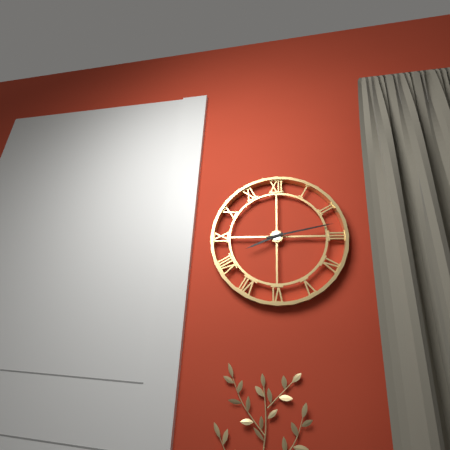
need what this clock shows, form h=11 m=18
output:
h=8 m=13
